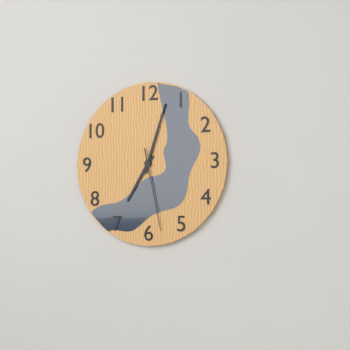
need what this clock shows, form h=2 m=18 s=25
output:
h=7 m=3 s=28
